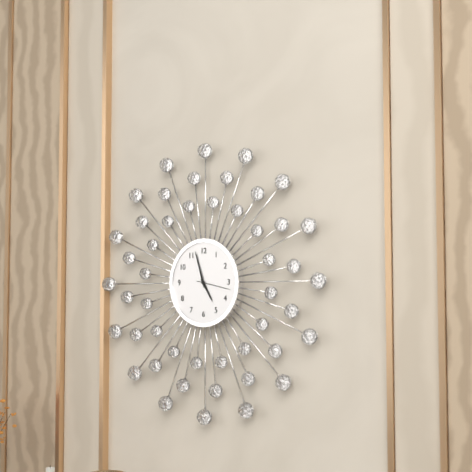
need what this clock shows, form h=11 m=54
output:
h=4 m=57
